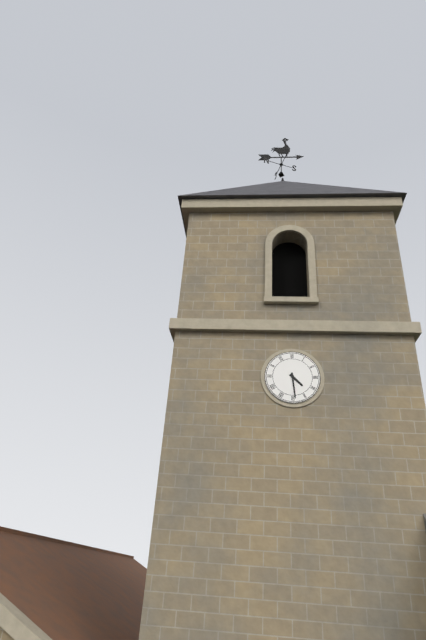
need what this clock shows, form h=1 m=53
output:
h=4 m=29
